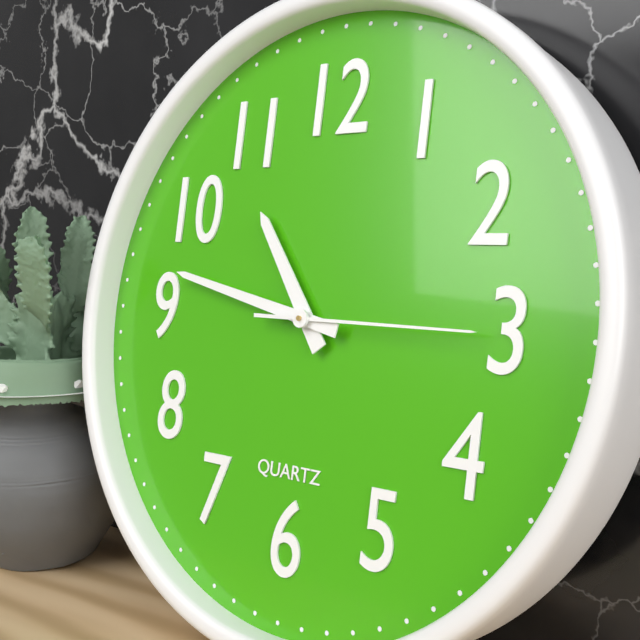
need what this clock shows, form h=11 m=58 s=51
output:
h=10 m=47 s=15
